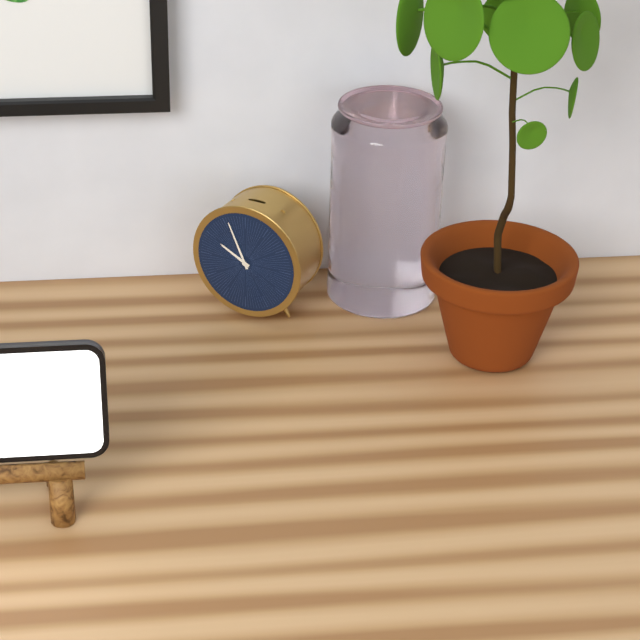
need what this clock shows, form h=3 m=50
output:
h=9 m=56
